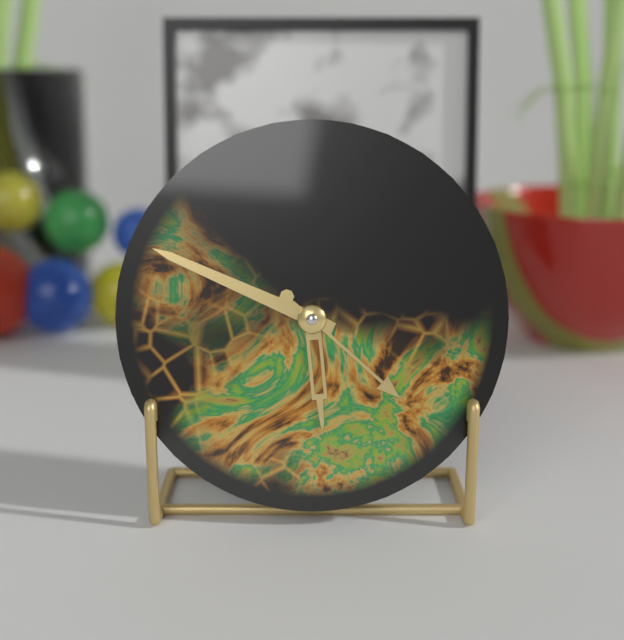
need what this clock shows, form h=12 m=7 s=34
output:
h=5 m=49 s=22
